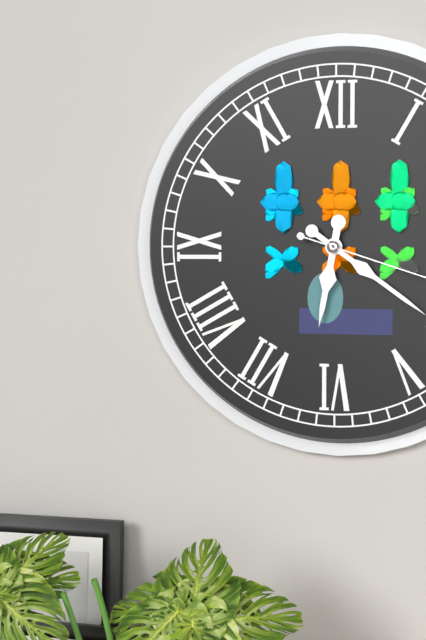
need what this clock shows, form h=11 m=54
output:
h=6 m=21
